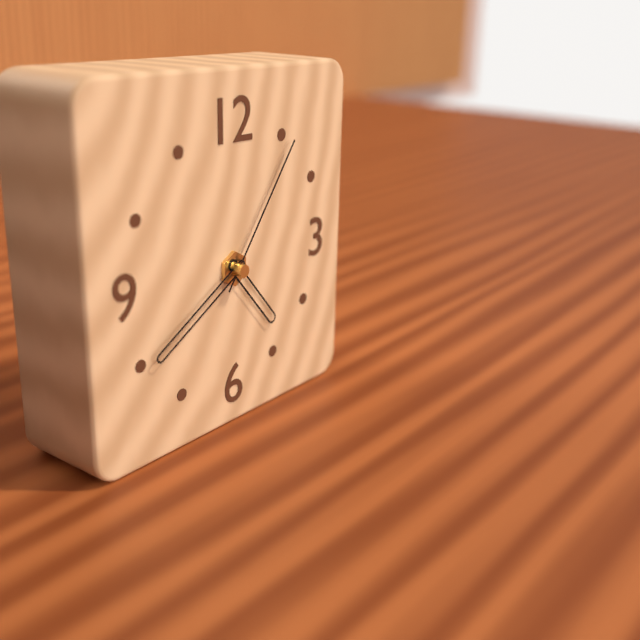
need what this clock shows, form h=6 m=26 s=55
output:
h=4 m=40 s=6
